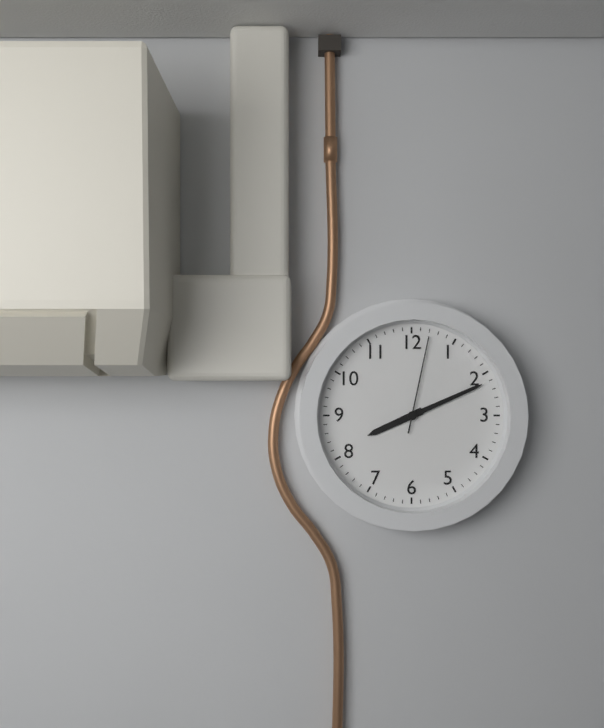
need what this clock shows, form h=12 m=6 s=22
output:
h=8 m=11 s=2
